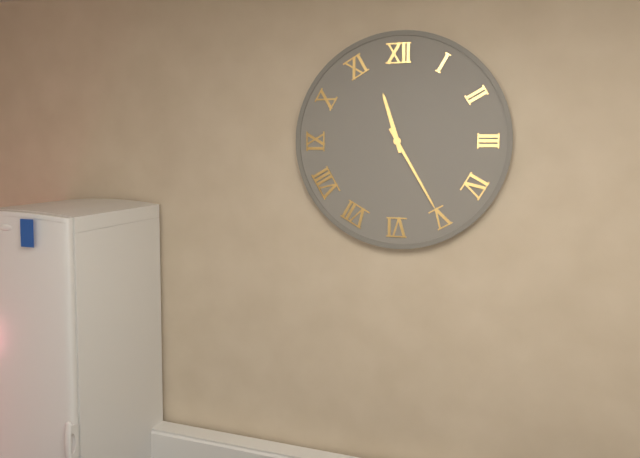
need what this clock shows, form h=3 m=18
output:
h=11 m=25
